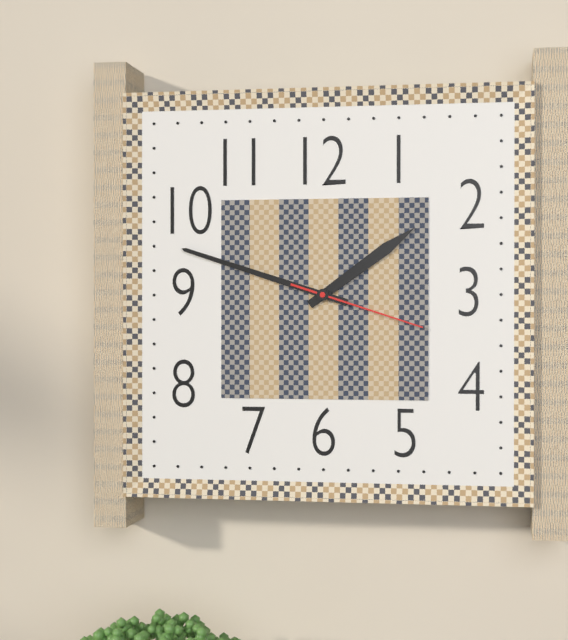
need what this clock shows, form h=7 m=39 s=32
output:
h=1 m=48 s=18
